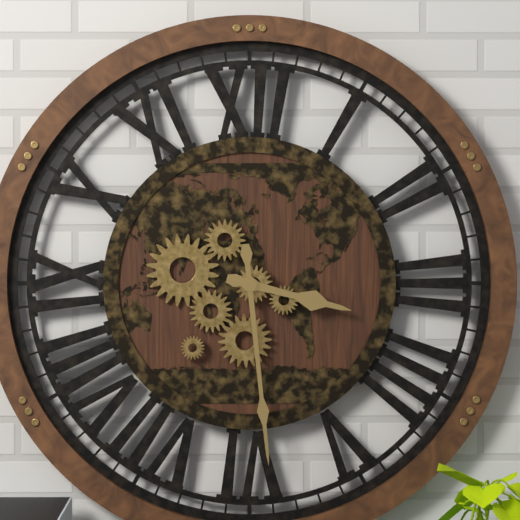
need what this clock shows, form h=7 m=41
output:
h=3 m=29
